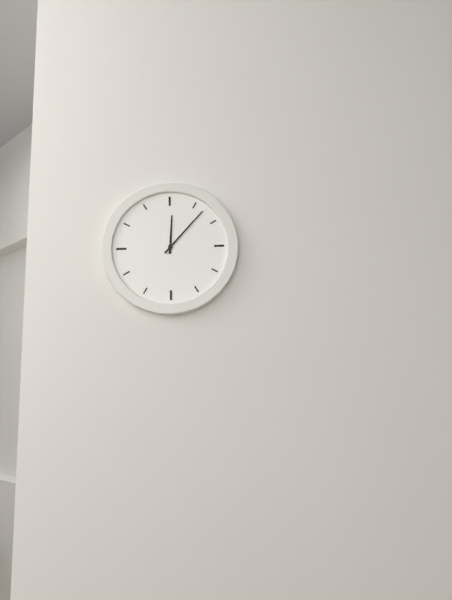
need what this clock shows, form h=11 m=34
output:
h=12 m=7
